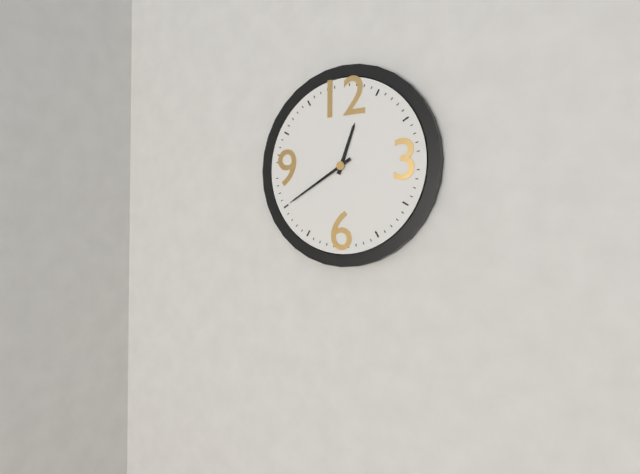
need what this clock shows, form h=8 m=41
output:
h=12 m=40
